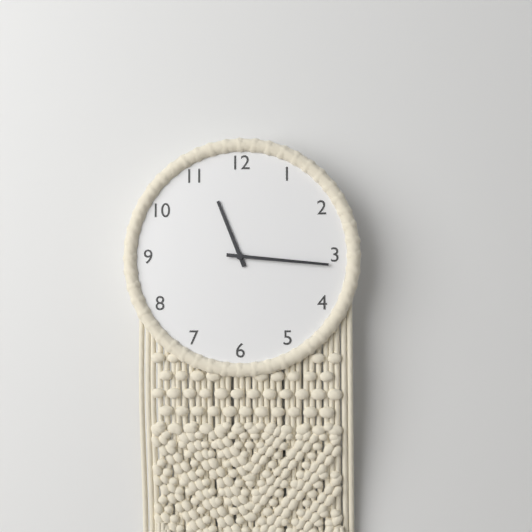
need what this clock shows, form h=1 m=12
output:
h=11 m=16
